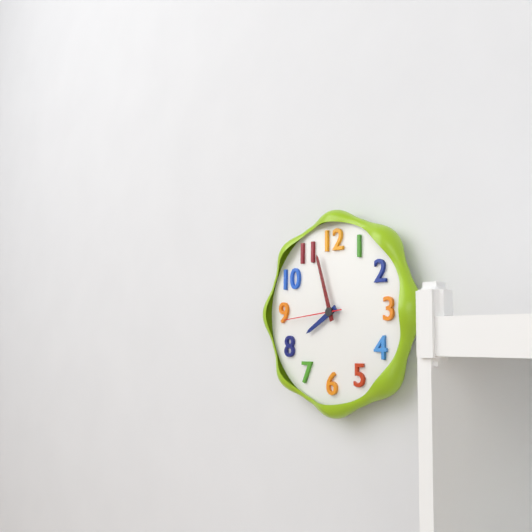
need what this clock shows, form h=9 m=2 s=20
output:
h=7 m=57 s=44
